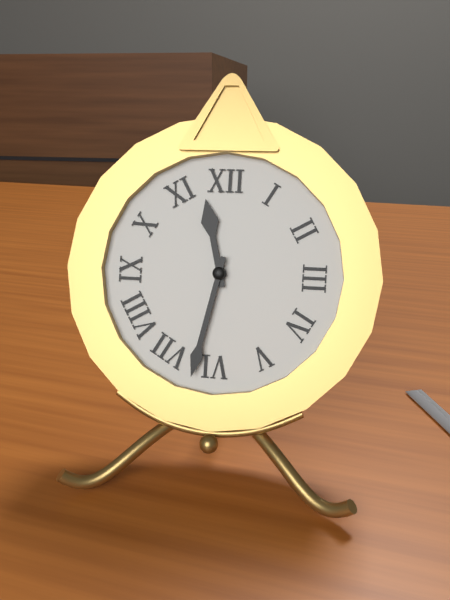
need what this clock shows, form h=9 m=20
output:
h=11 m=32
